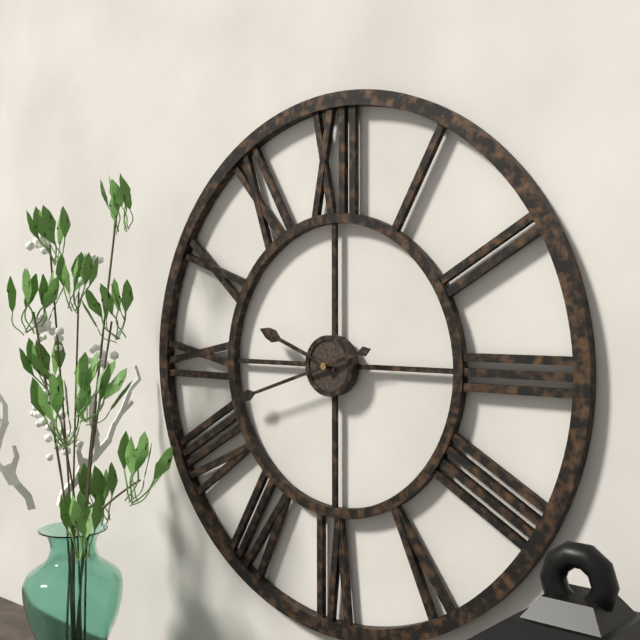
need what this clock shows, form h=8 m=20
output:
h=9 m=42
